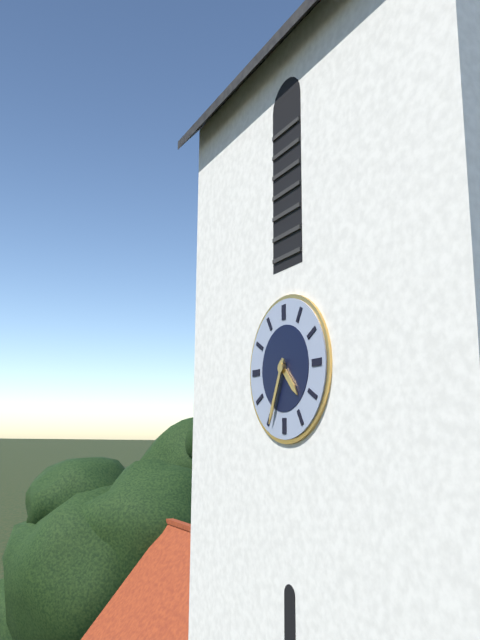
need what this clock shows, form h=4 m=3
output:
h=4 m=34
